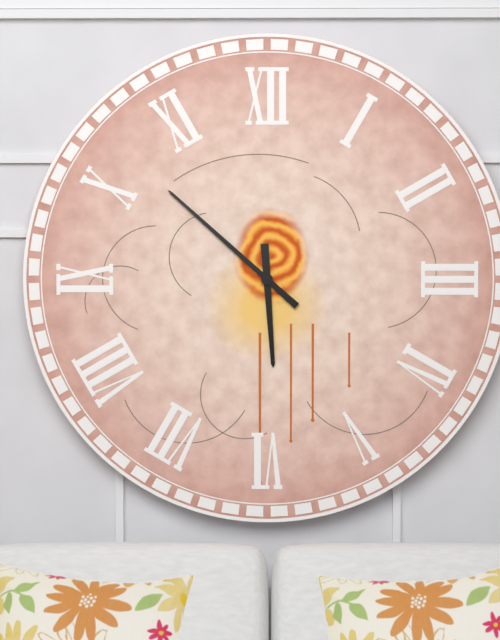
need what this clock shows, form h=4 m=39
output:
h=5 m=52
